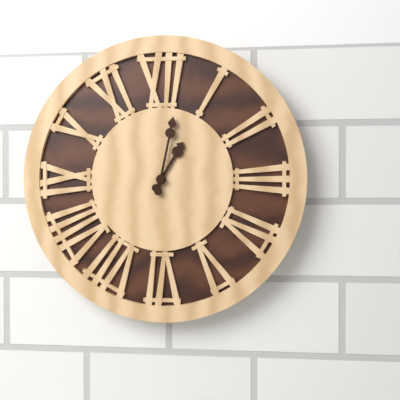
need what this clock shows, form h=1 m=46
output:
h=1 m=2
